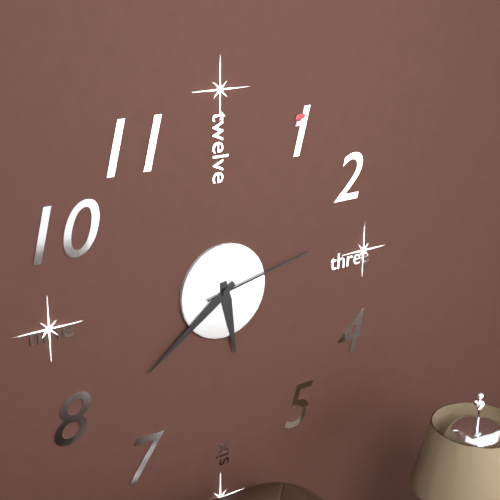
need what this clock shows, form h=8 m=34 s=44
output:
h=5 m=39 s=13
